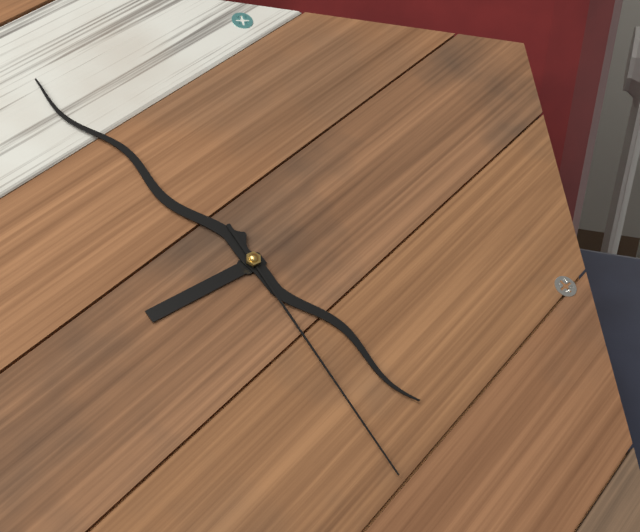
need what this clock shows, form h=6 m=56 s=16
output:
h=7 m=52 s=25
